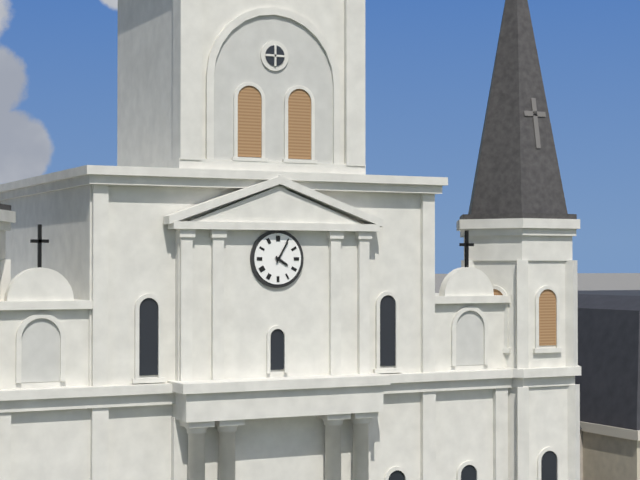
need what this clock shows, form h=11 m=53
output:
h=4 m=5
